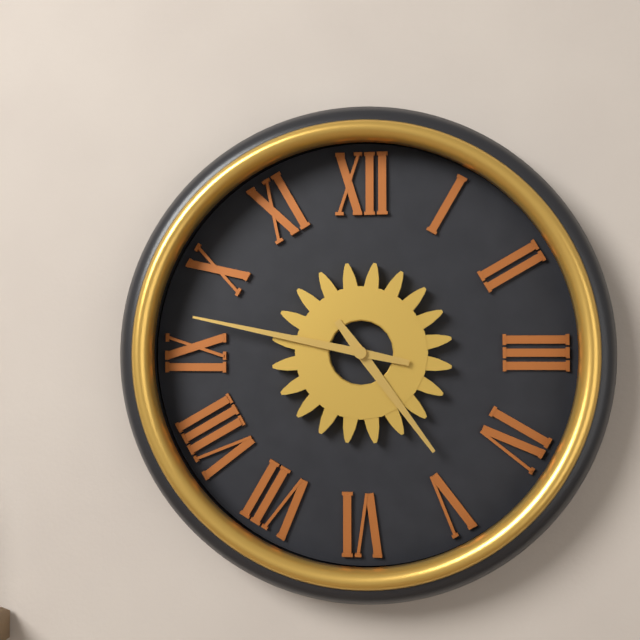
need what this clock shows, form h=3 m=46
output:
h=4 m=47
